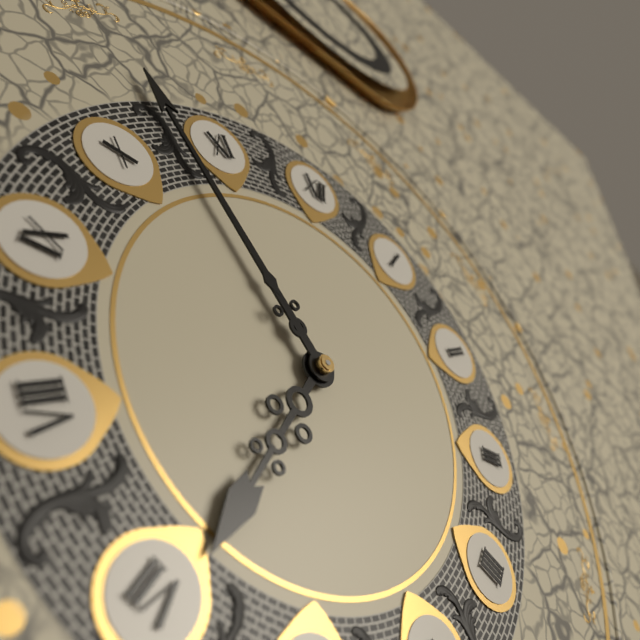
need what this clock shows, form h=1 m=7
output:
h=6 m=53
